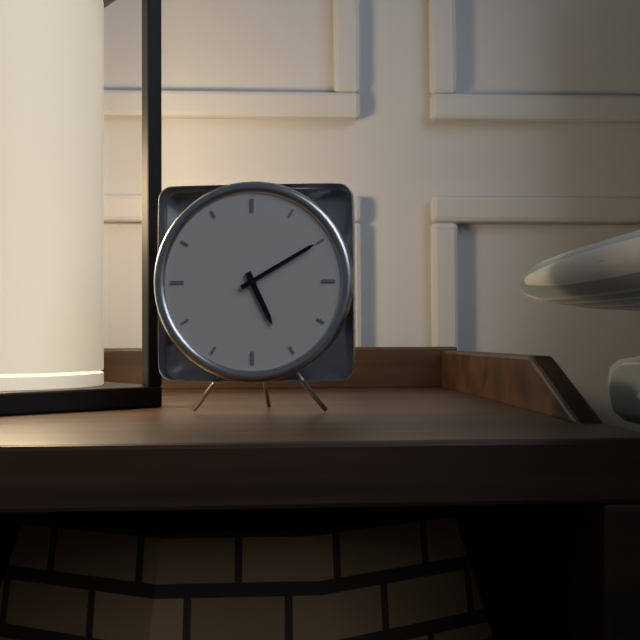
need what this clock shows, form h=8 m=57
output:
h=5 m=10
